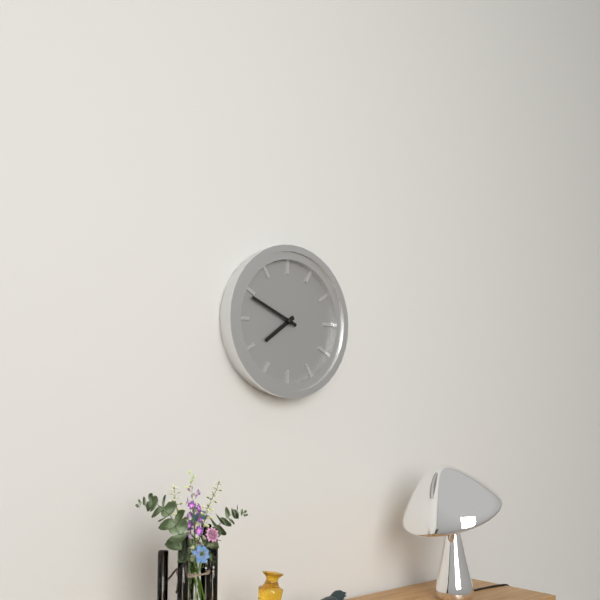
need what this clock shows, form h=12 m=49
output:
h=7 m=49
